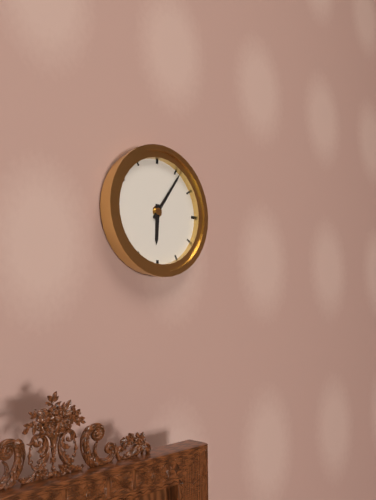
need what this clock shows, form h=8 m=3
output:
h=6 m=6
